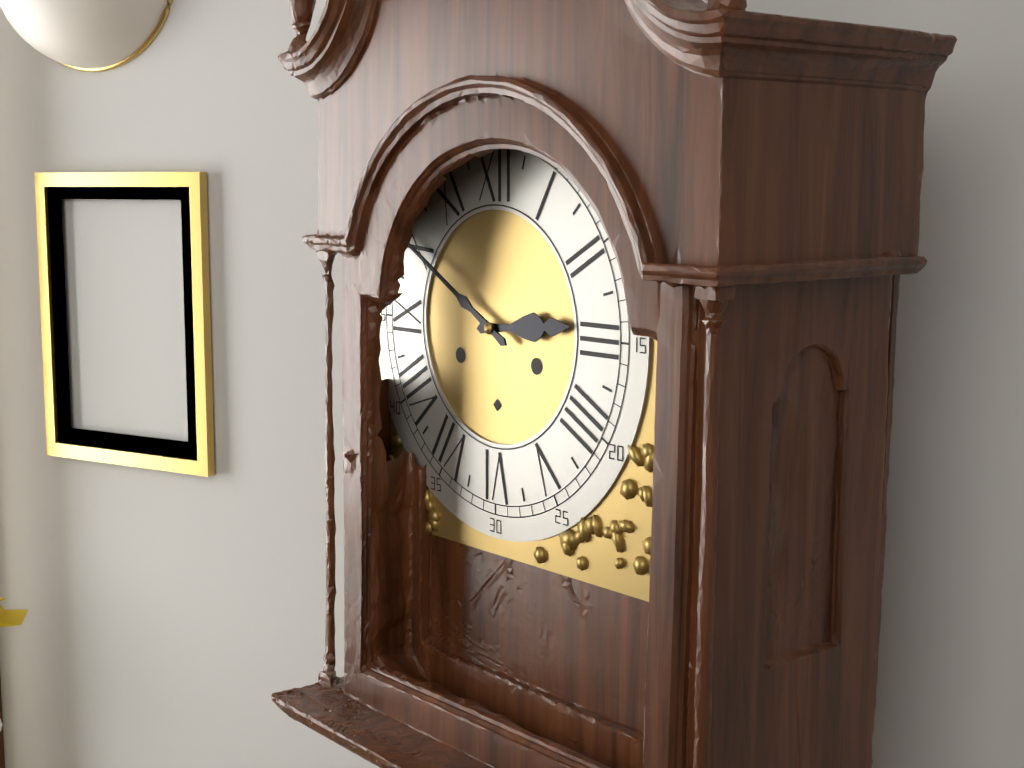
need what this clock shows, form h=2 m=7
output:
h=2 m=50
